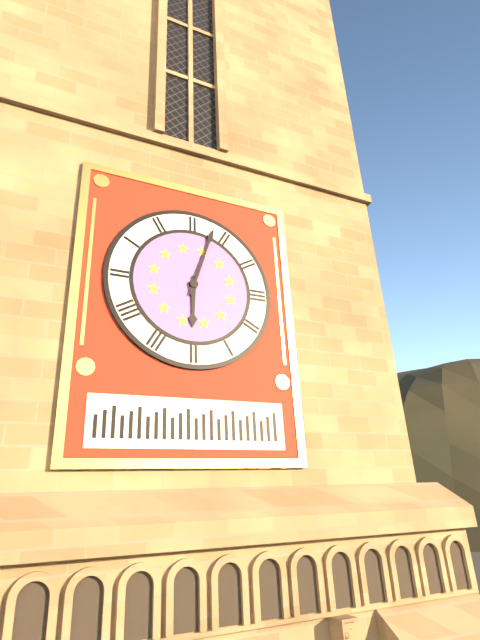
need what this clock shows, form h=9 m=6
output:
h=6 m=3
